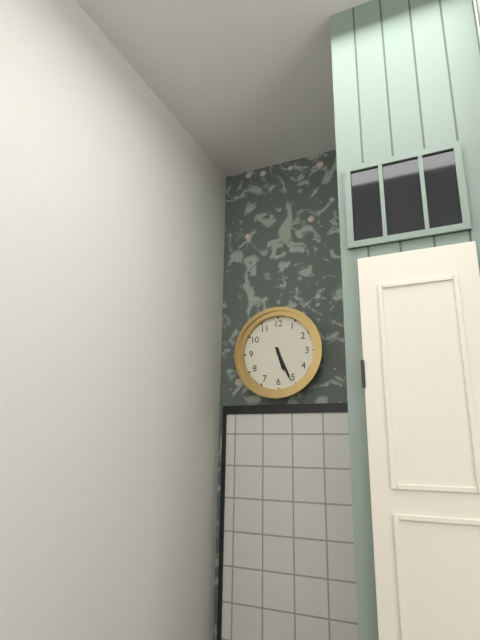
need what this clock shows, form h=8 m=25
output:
h=5 m=26
